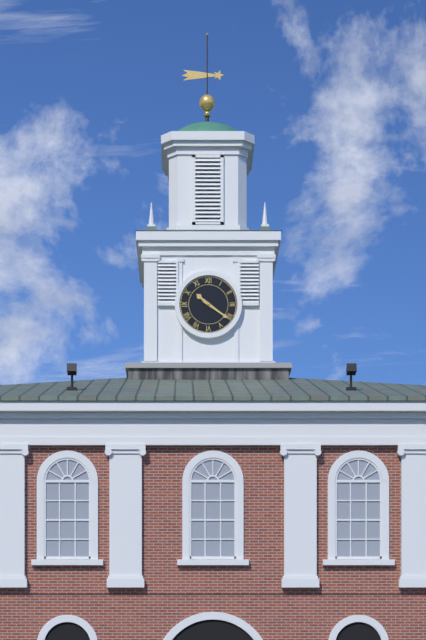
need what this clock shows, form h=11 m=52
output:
h=10 m=21
